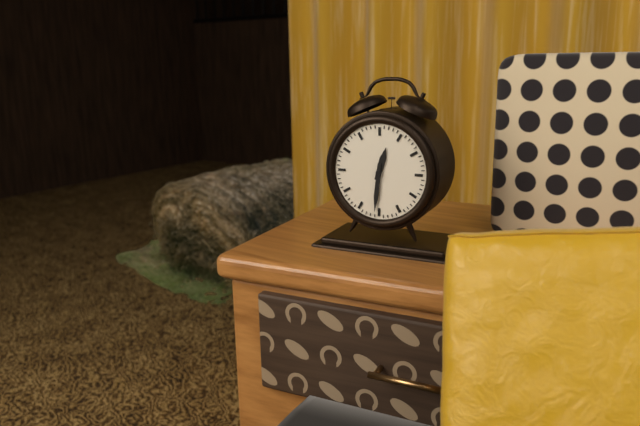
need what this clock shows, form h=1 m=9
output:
h=12 m=31
